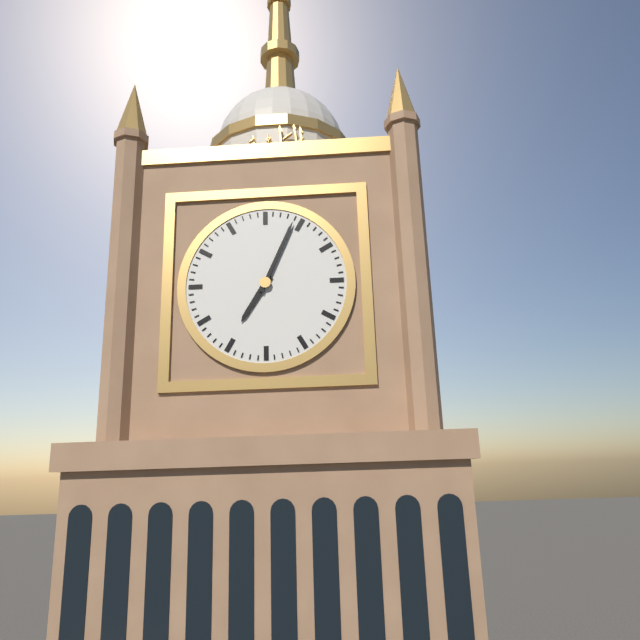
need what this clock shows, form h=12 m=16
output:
h=7 m=4
